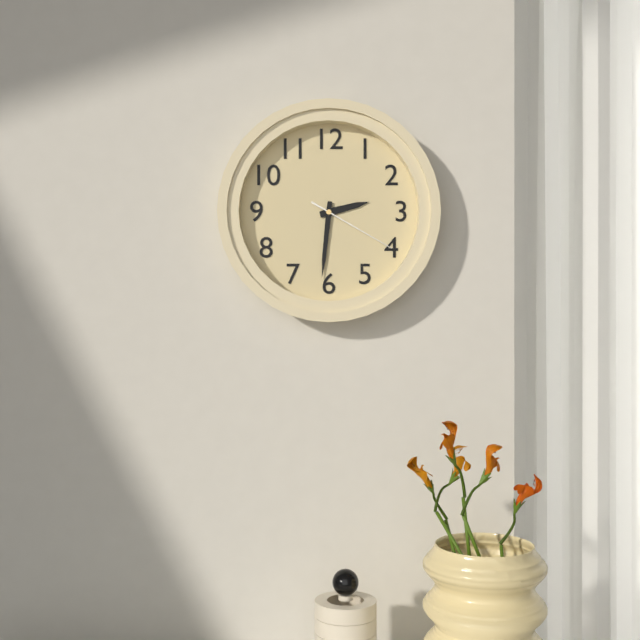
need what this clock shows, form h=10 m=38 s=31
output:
h=2 m=31 s=20
